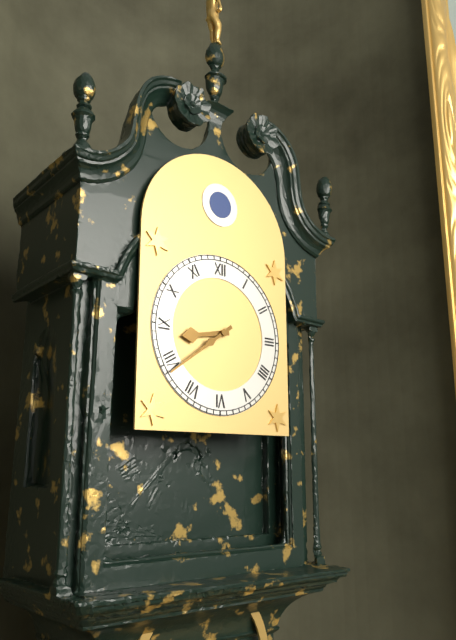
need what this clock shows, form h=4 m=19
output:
h=8 m=39
